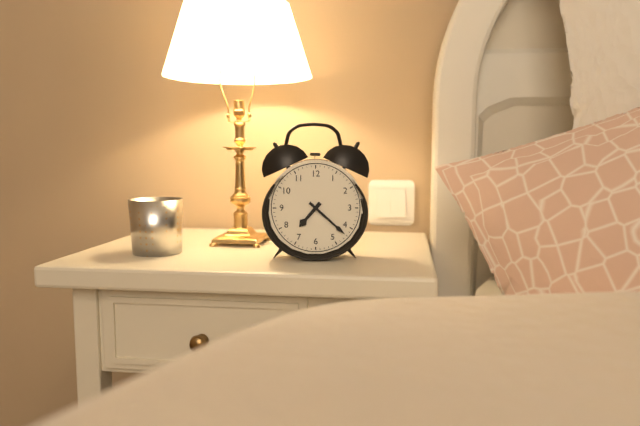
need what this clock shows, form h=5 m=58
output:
h=7 m=22
